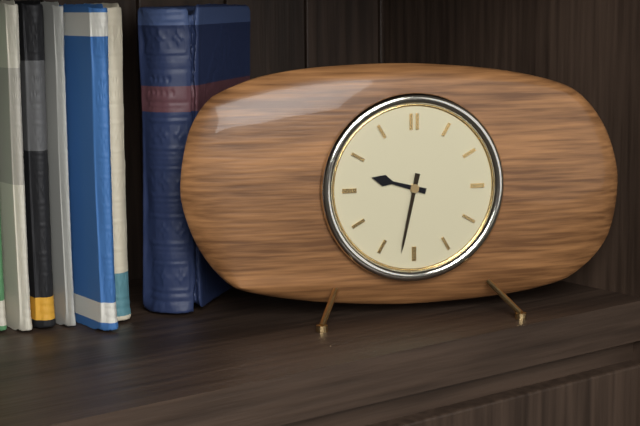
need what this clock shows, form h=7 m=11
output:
h=9 m=32
